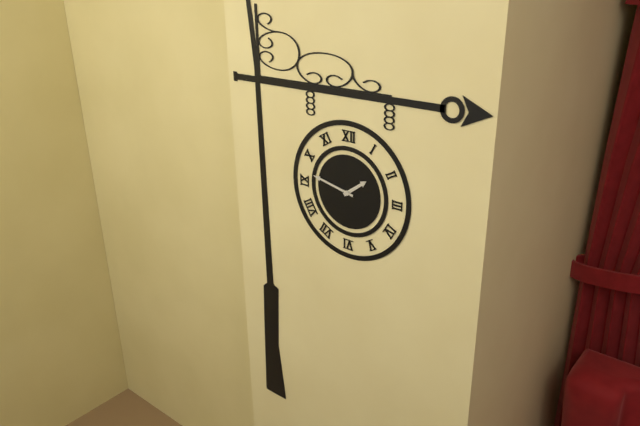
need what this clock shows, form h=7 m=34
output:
h=1 m=47
